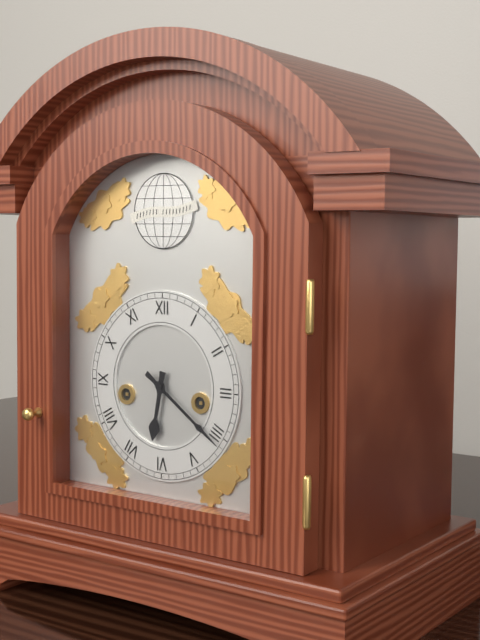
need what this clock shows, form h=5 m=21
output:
h=6 m=21
